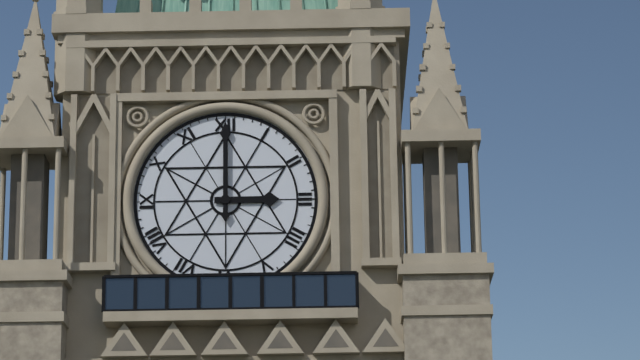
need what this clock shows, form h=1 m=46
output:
h=3 m=0
